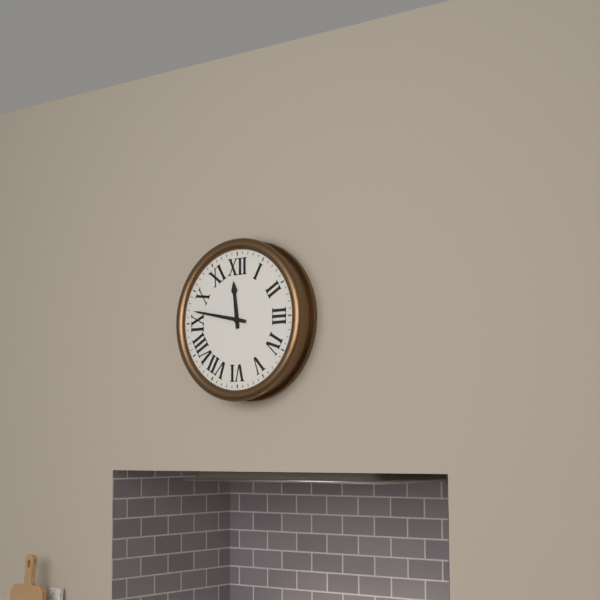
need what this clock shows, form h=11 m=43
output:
h=11 m=47
